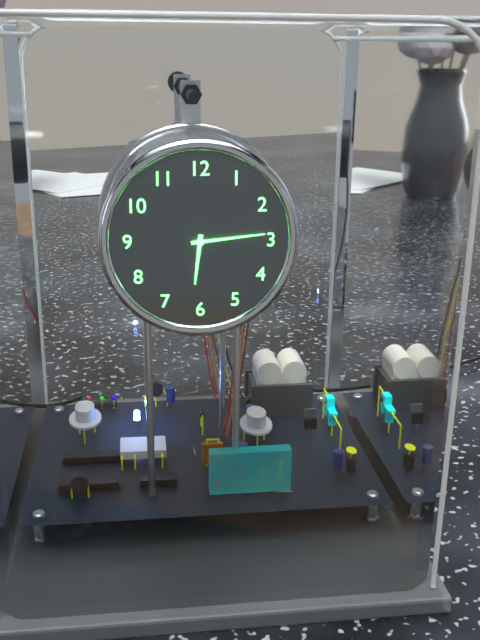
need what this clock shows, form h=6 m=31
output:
h=6 m=14
